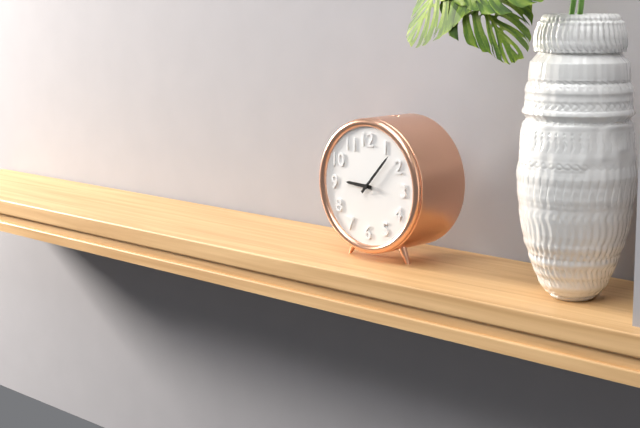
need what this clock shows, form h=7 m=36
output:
h=9 m=7
